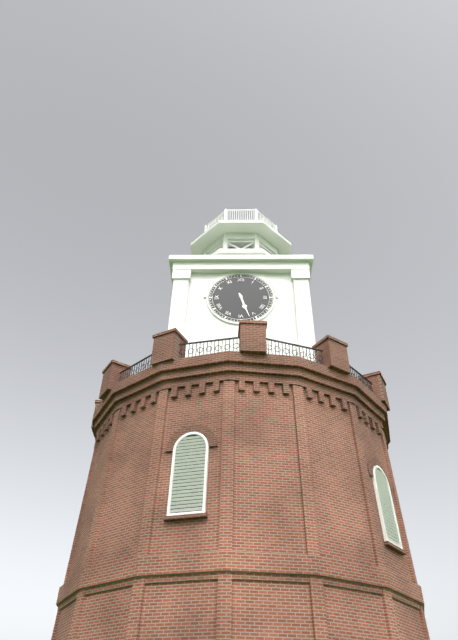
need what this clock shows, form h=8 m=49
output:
h=5 m=27
